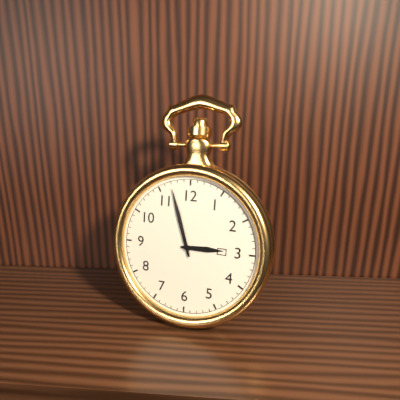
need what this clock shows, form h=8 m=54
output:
h=2 m=57
